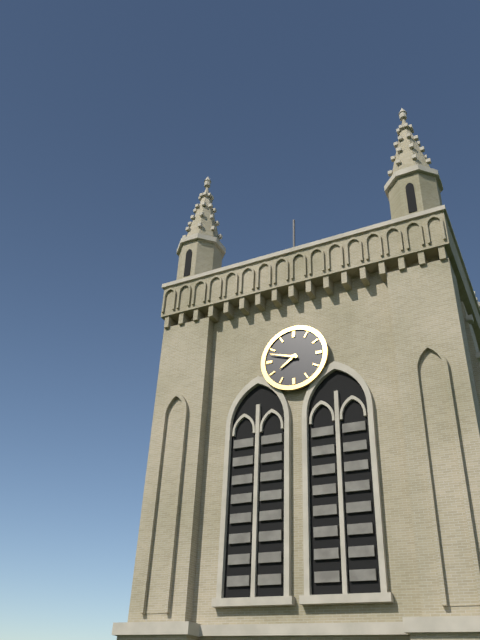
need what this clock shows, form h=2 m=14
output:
h=7 m=48
